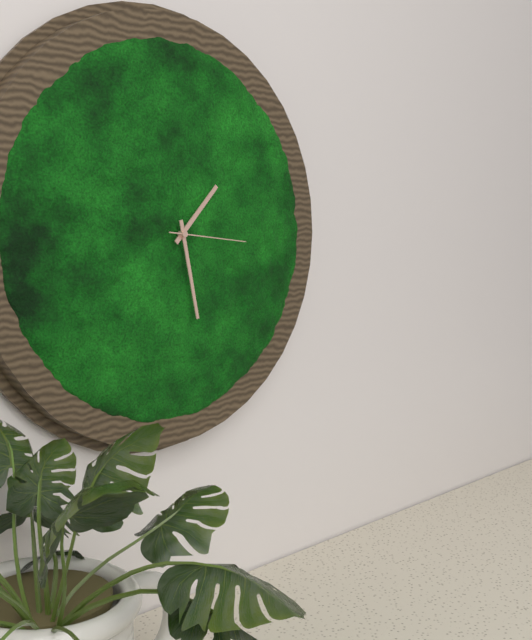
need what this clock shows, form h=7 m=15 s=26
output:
h=1 m=28 s=16
